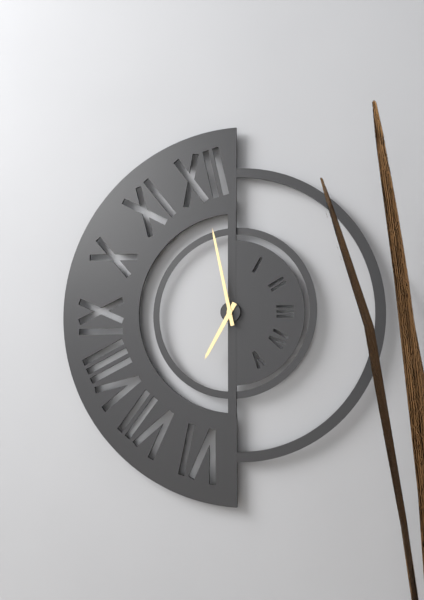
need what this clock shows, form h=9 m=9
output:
h=6 m=58
